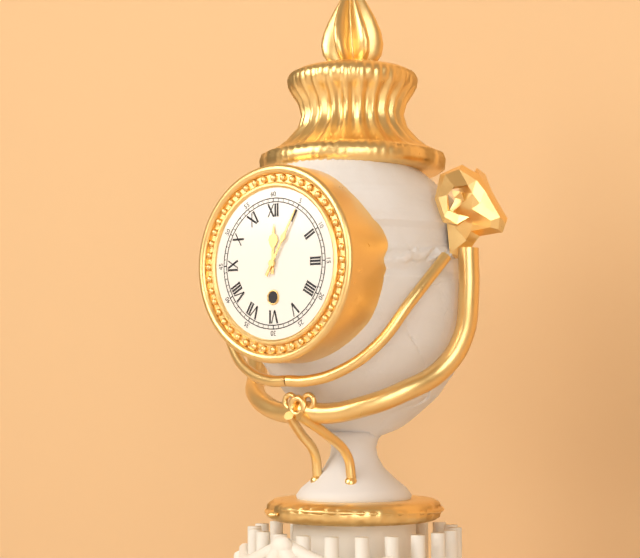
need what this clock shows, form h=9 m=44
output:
h=12 m=5
